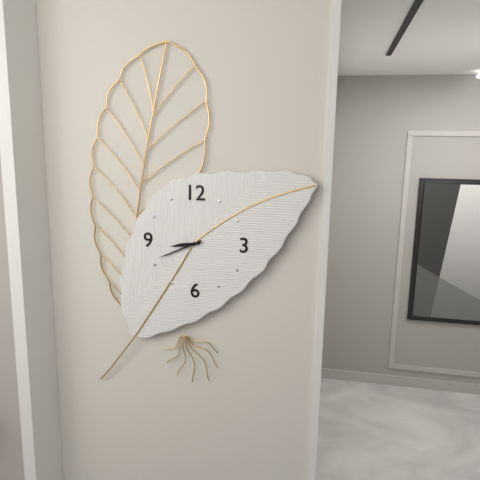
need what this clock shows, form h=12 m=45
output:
h=8 m=41
